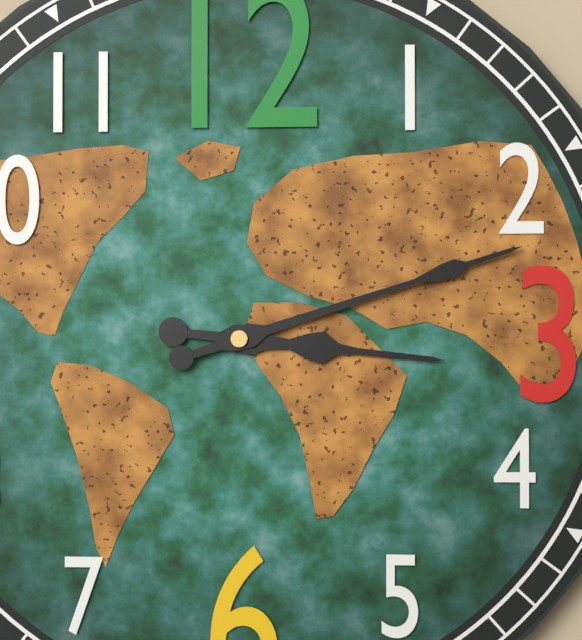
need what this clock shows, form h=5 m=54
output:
h=3 m=12
